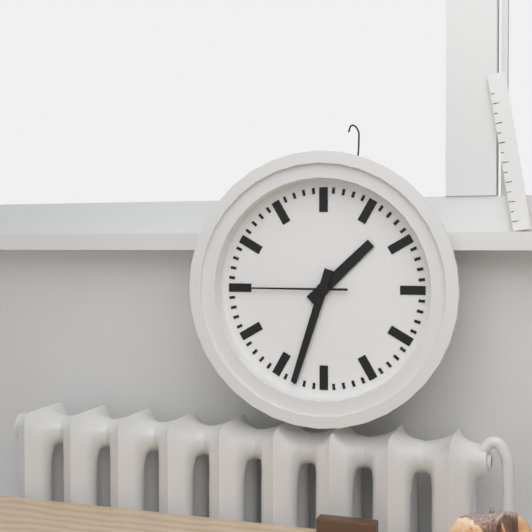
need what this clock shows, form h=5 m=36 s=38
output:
h=1 m=33 s=45
